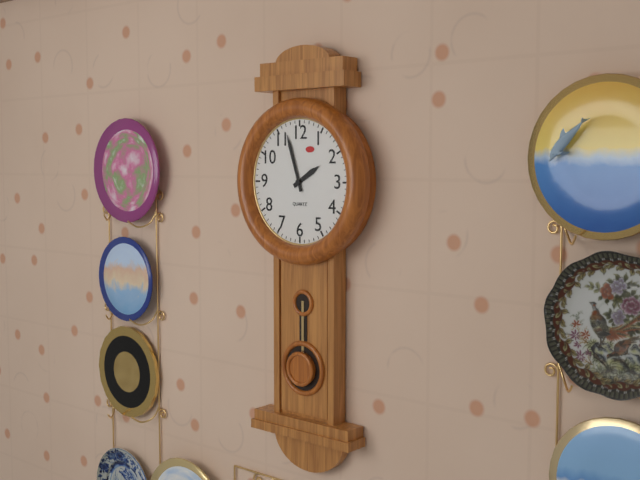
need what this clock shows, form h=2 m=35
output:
h=1 m=57
